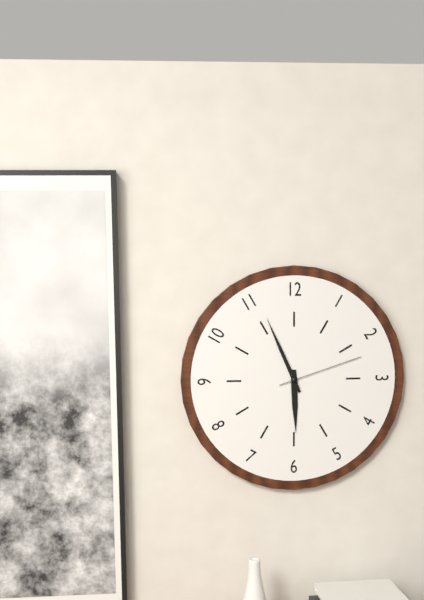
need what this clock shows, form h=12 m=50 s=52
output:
h=5 m=56 s=12
